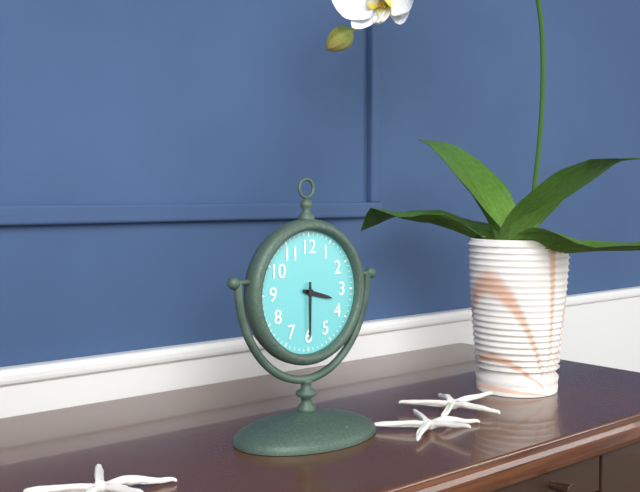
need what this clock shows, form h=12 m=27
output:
h=3 m=30
